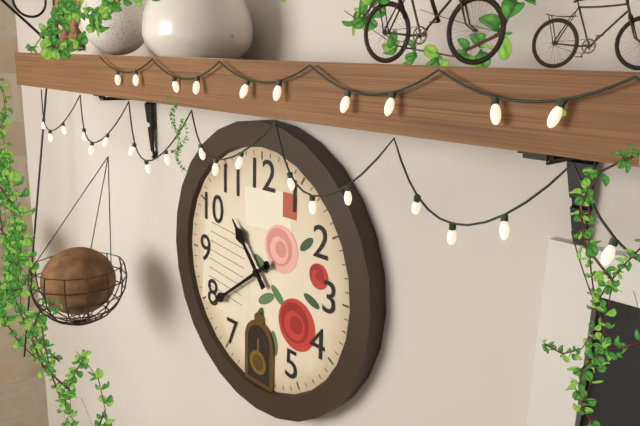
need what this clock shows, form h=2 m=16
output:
h=10 m=39
